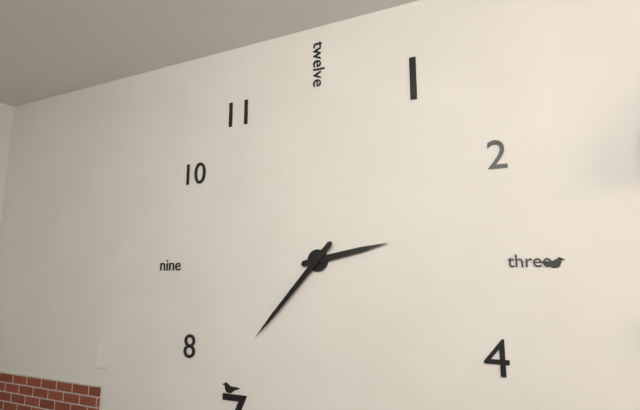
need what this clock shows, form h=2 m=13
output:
h=2 m=37
